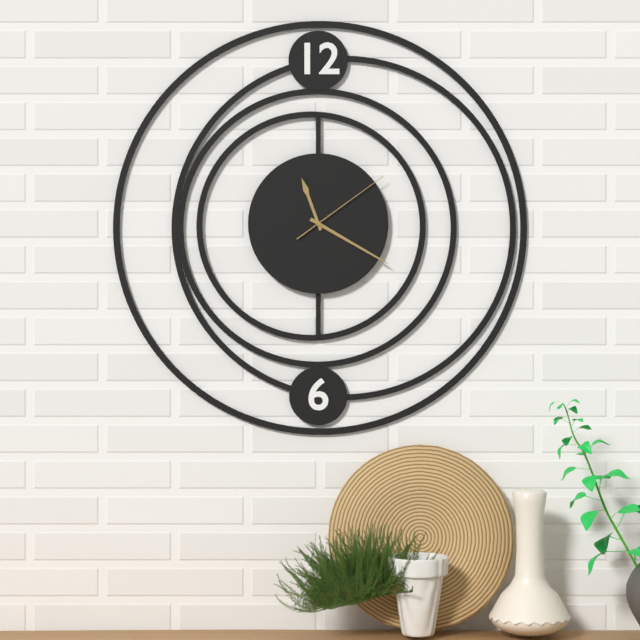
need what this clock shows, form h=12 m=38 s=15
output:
h=11 m=20 s=9
